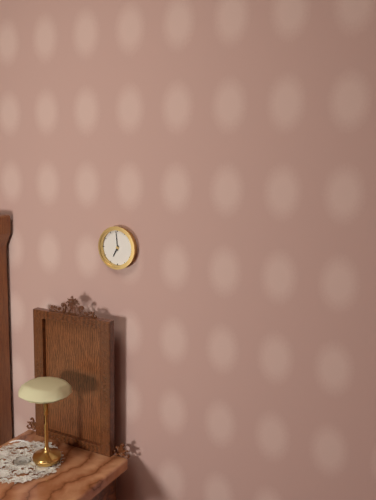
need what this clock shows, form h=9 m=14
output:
h=6 m=59
